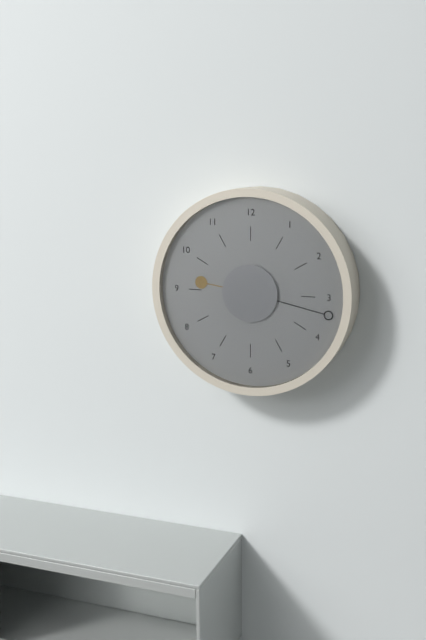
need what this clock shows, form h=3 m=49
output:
h=9 m=17
